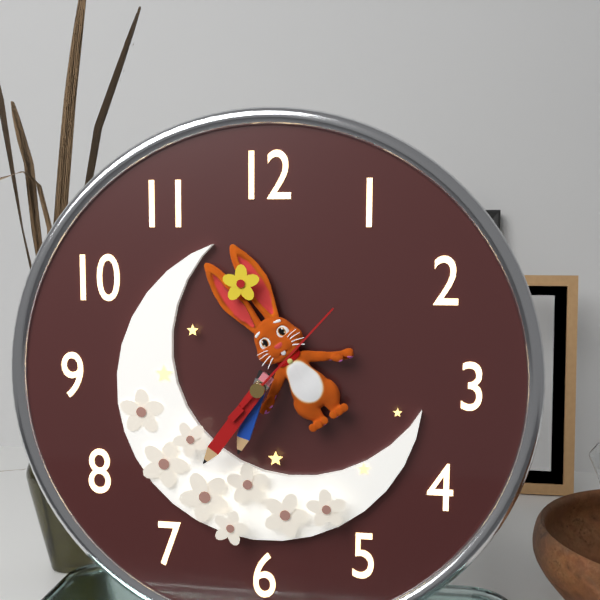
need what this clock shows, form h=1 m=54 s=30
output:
h=6 m=36 s=7
